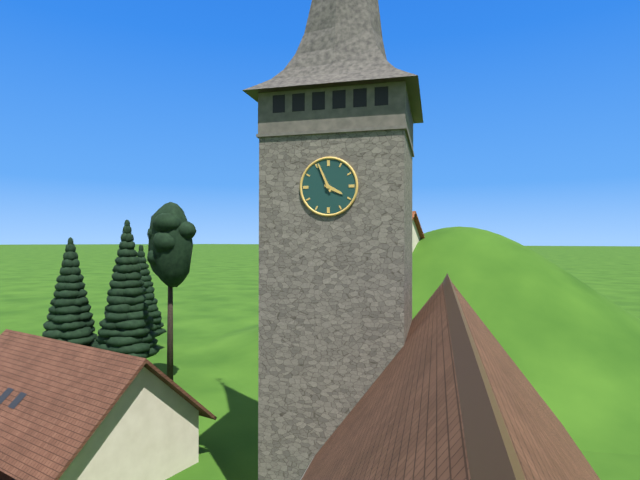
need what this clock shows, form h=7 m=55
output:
h=3 m=56
